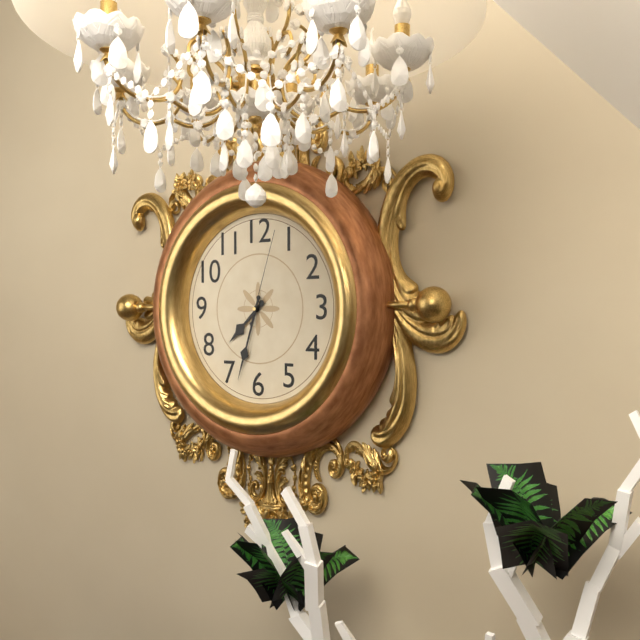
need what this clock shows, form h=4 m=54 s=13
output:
h=7 m=33 s=3
